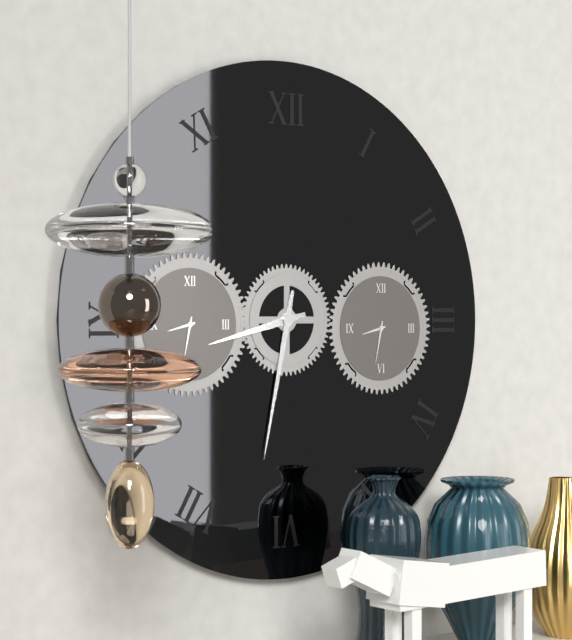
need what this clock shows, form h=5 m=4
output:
h=8 m=32
